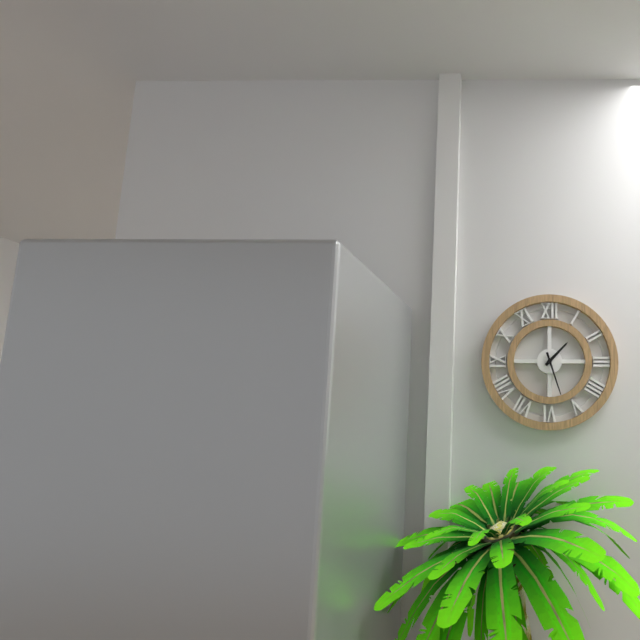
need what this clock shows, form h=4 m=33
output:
h=1 m=27
